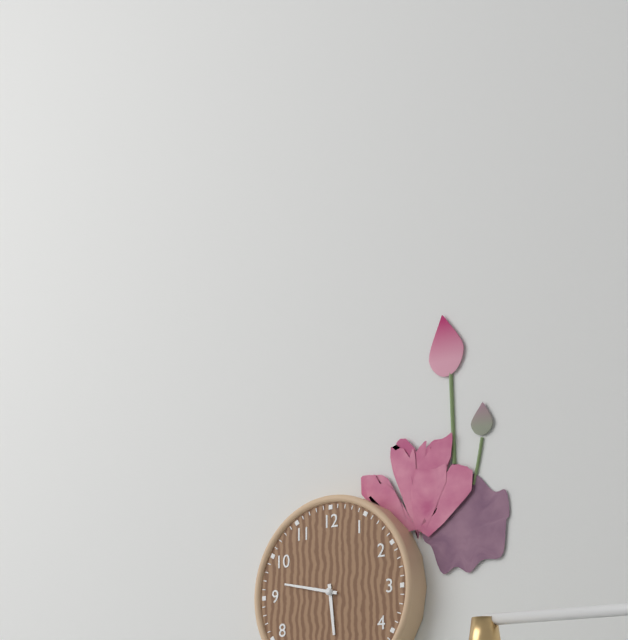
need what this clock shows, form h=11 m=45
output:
h=5 m=47
